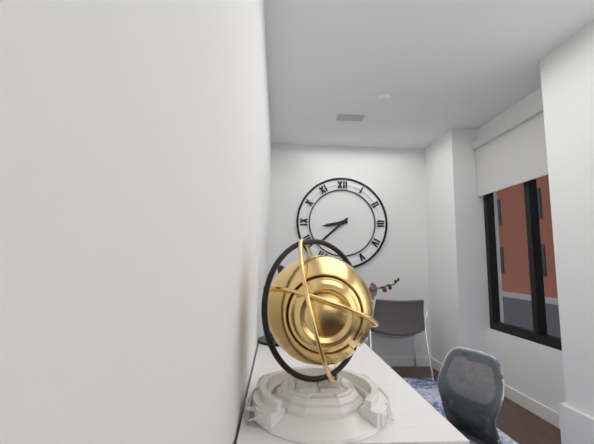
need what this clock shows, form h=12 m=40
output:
h=8 m=38
